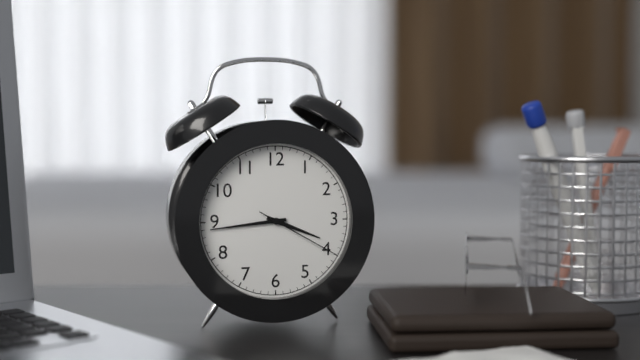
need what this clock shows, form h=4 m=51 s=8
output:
h=3 m=44 s=20
